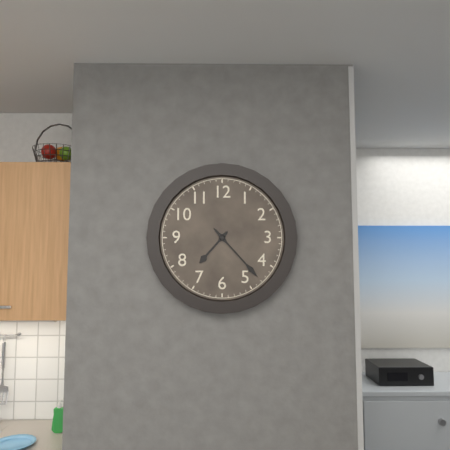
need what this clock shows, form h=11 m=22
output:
h=7 m=23
